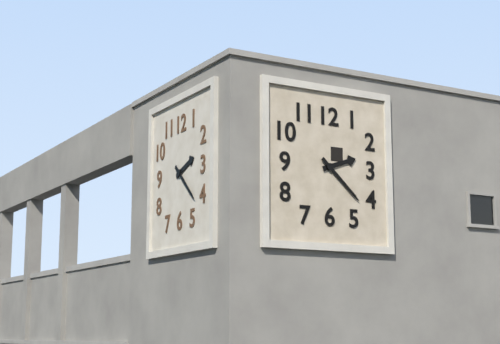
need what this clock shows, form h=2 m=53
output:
h=2 m=22
